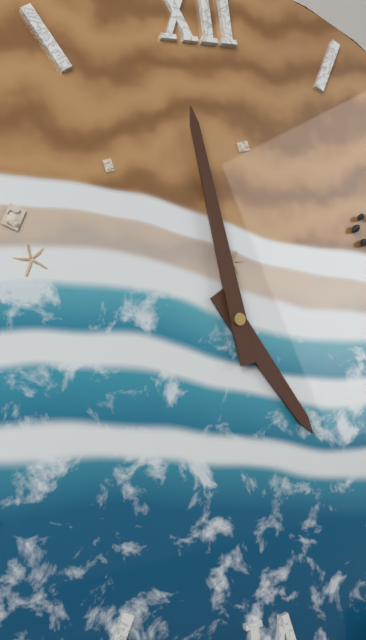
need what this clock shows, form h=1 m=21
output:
h=4 m=59
